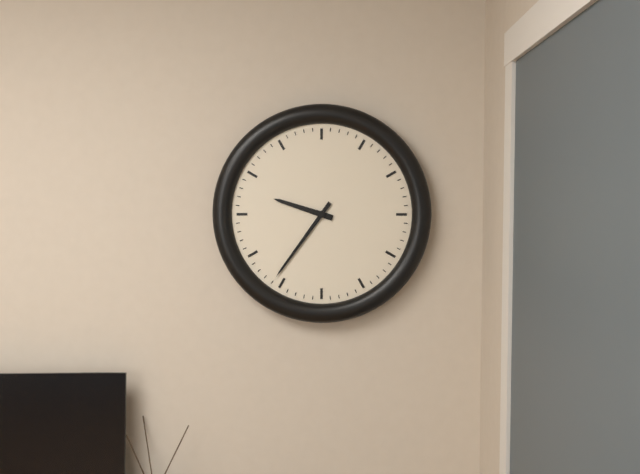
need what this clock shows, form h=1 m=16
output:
h=9 m=36
